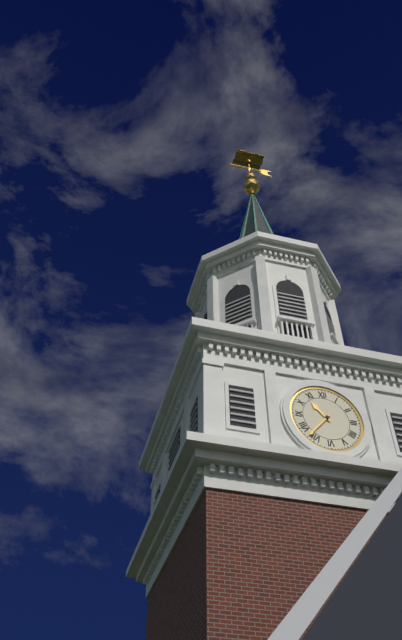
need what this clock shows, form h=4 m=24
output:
h=10 m=37
